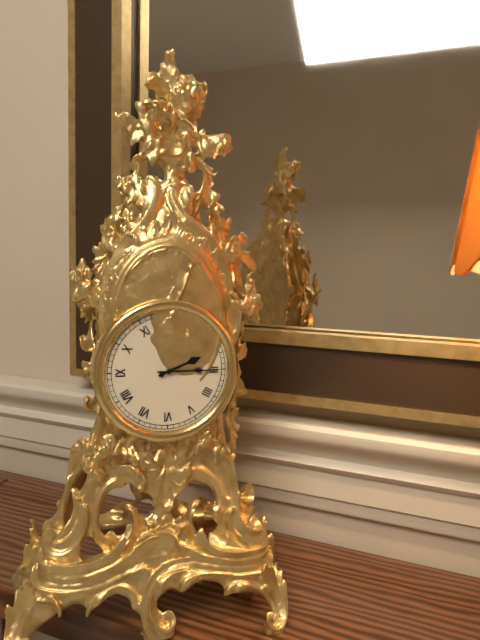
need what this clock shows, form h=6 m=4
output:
h=2 m=15
